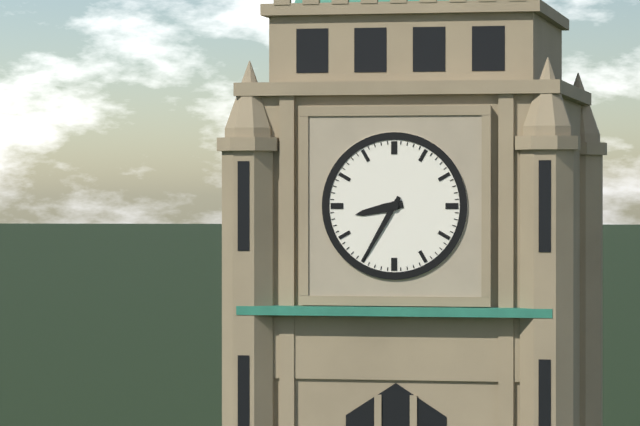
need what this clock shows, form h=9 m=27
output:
h=8 m=35
